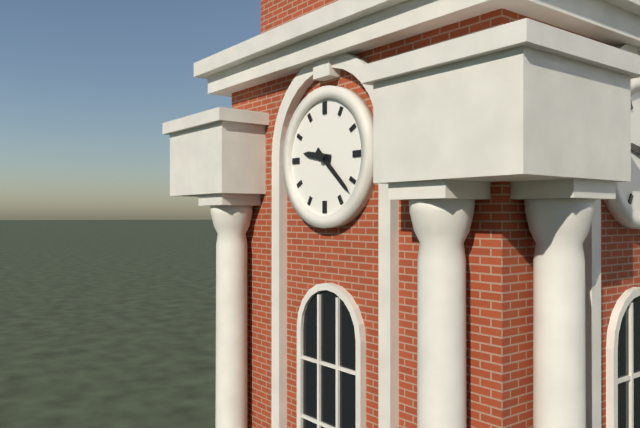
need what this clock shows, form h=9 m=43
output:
h=9 m=22
